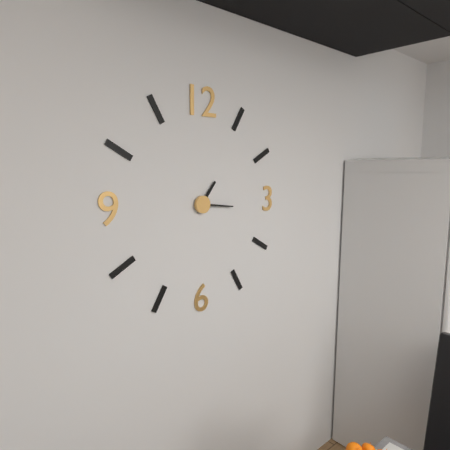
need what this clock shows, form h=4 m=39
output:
h=1 m=16
